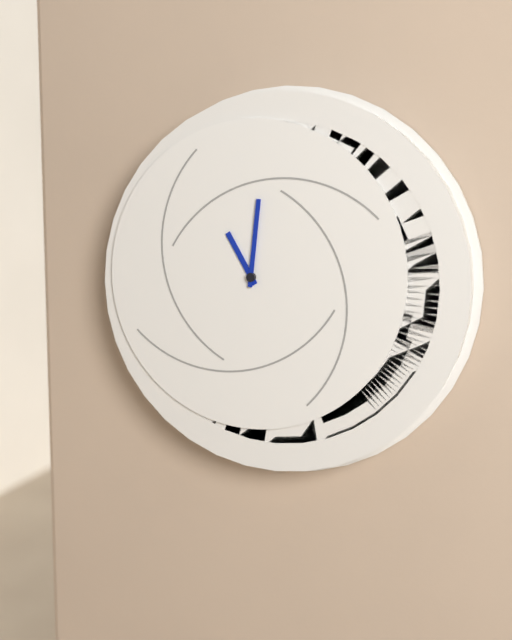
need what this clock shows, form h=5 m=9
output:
h=11 m=1
